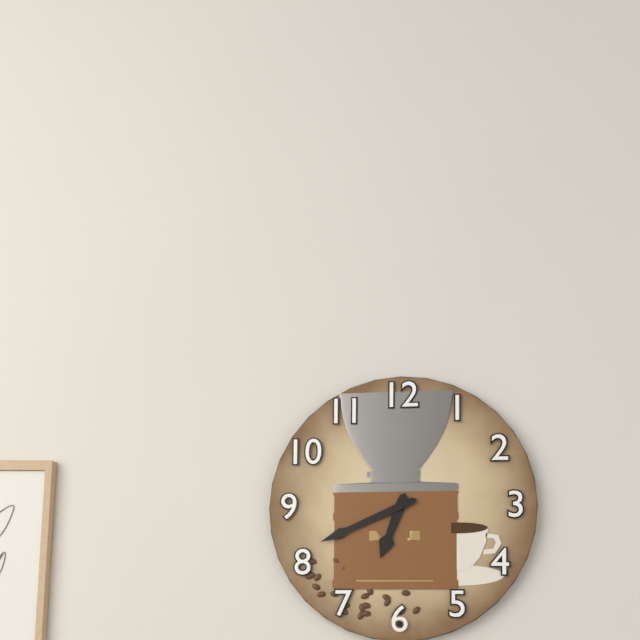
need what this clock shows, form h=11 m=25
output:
h=6 m=41
